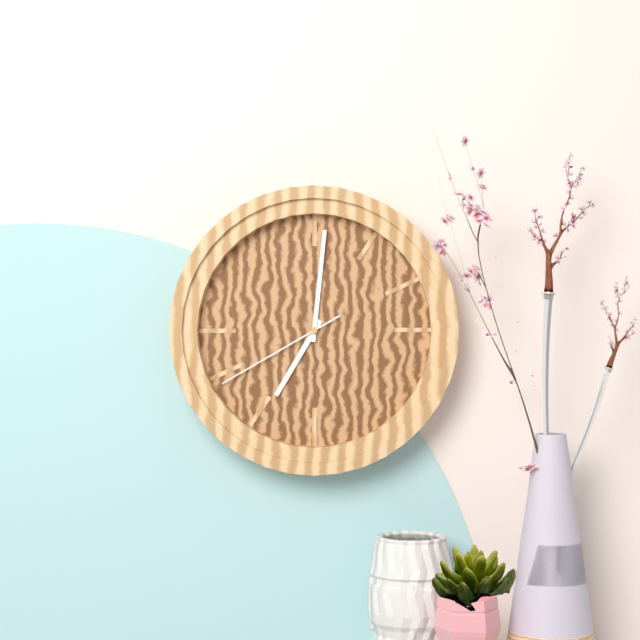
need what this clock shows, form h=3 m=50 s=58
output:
h=7 m=1 s=40
